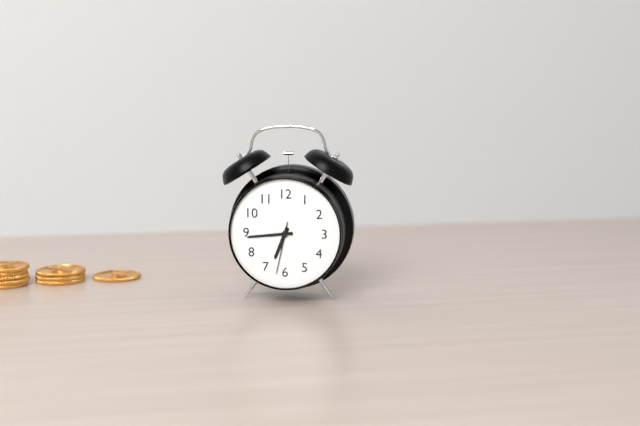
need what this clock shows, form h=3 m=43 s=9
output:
h=6 m=44 s=32
